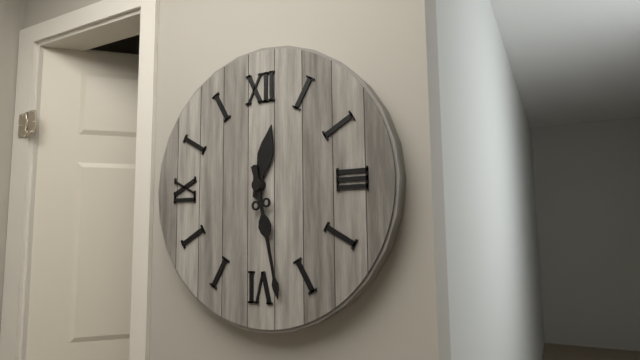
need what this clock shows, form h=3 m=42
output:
h=12 m=28
